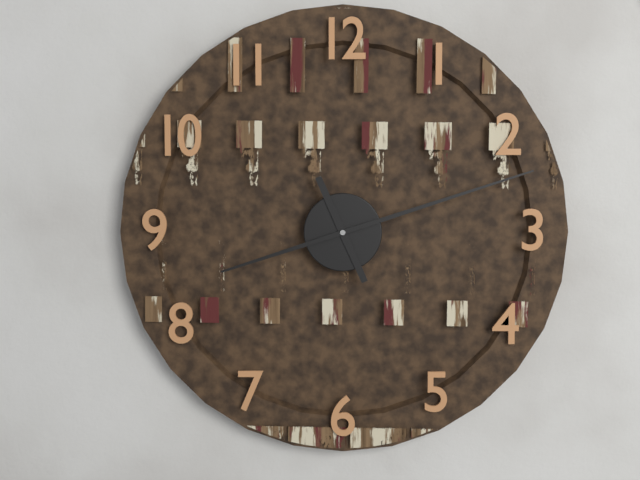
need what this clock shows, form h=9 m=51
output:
h=11 m=12
